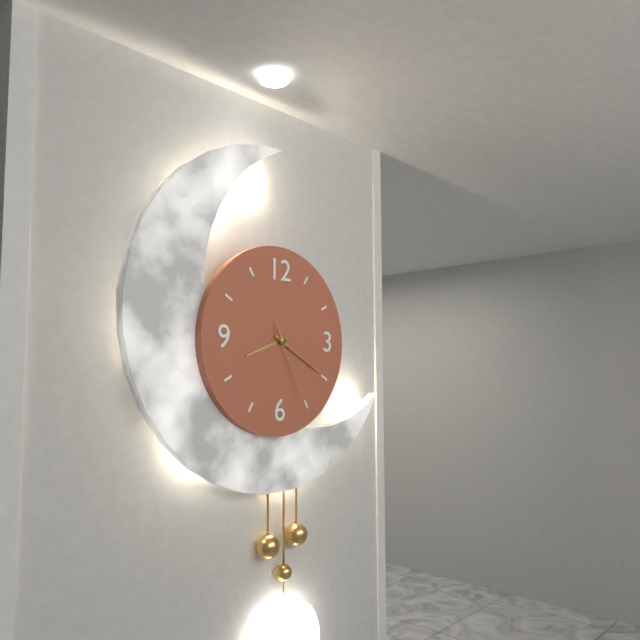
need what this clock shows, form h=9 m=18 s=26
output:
h=8 m=20 s=26
